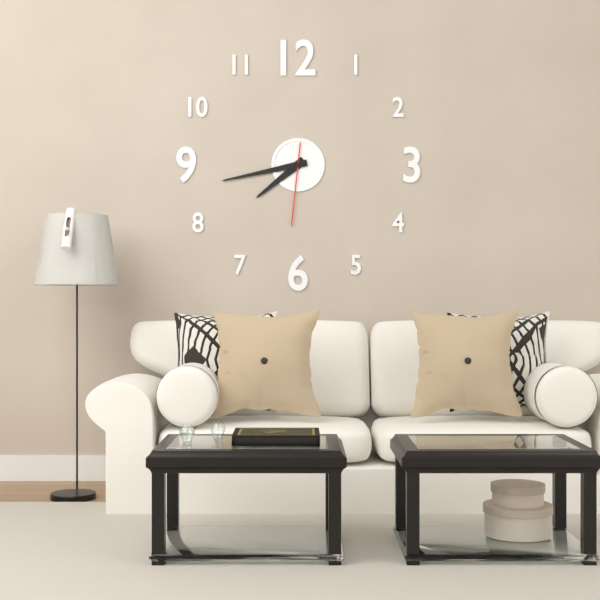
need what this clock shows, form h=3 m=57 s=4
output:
h=7 m=43 s=31
